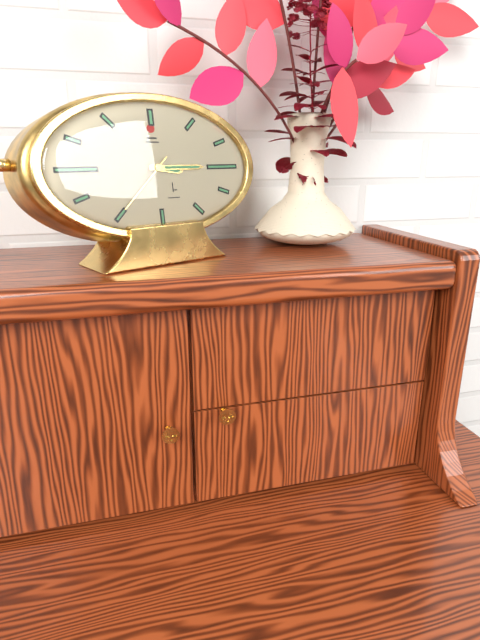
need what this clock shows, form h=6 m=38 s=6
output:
h=3 m=15 s=38
